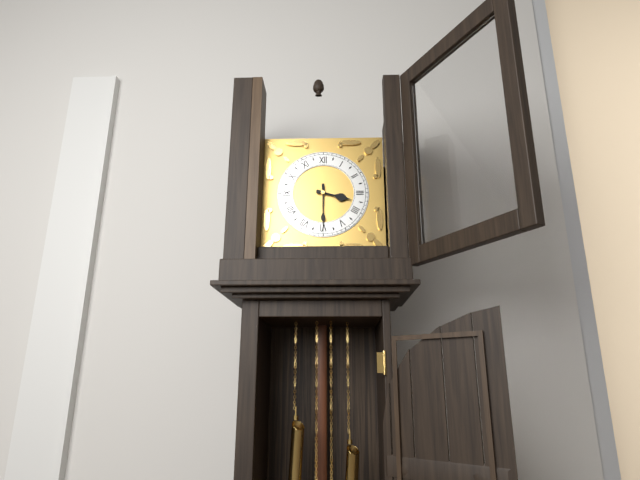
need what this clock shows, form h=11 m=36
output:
h=3 m=30
